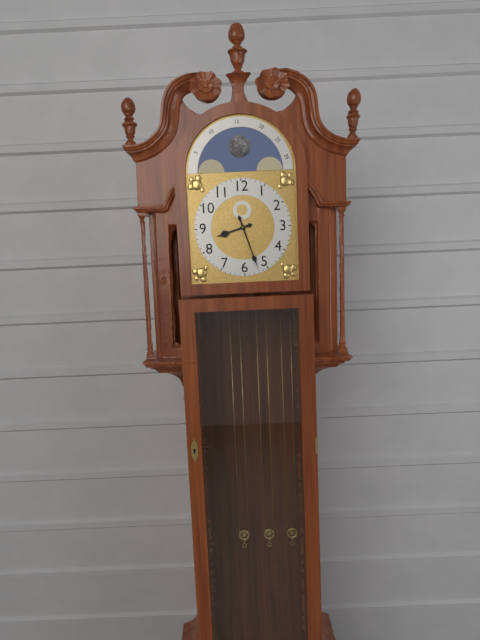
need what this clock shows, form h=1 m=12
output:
h=8 m=27
